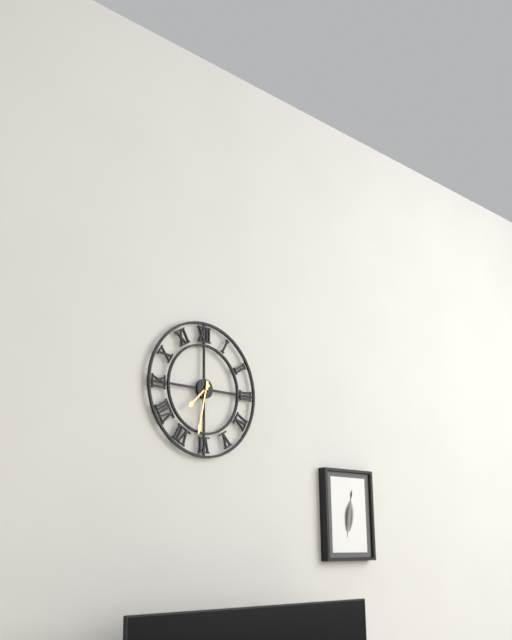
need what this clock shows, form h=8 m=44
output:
h=7 m=32
